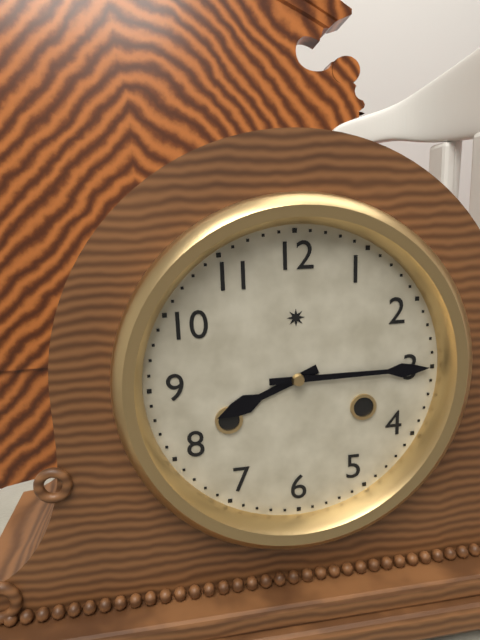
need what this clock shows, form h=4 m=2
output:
h=8 m=15
